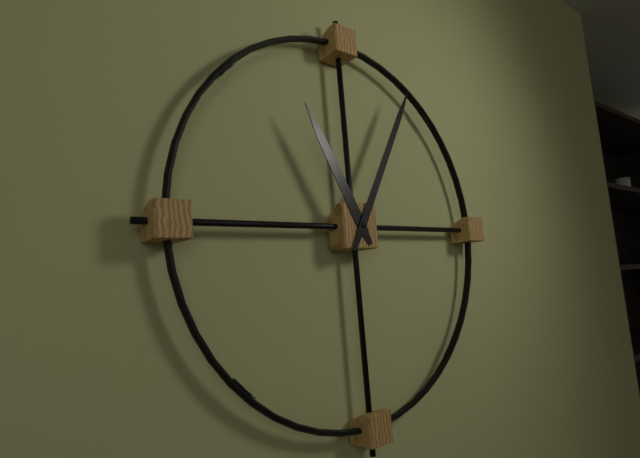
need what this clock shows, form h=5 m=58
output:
h=11 m=5
